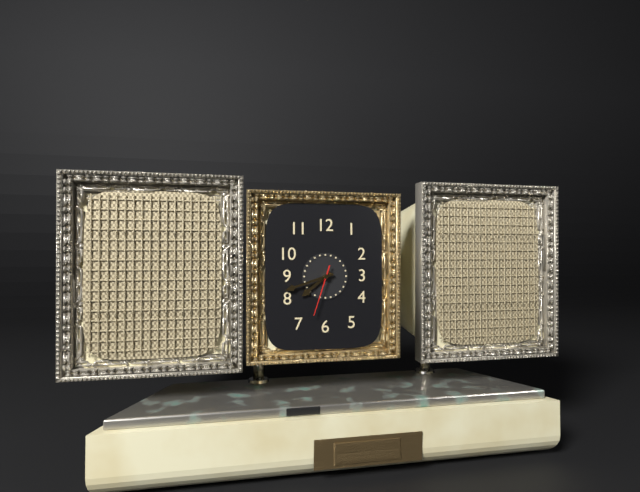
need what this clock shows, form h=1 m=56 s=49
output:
h=7 m=42 s=33
